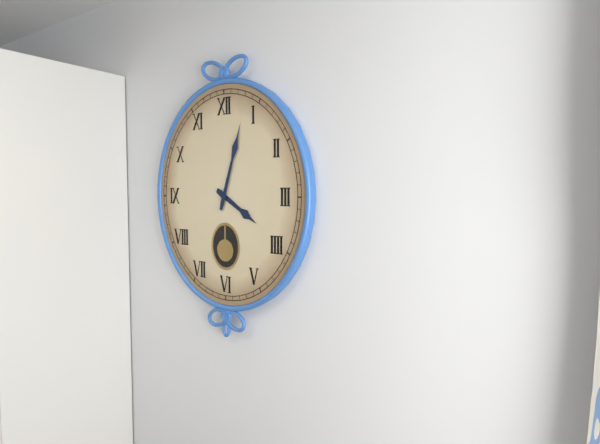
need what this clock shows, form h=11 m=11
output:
h=4 m=3
